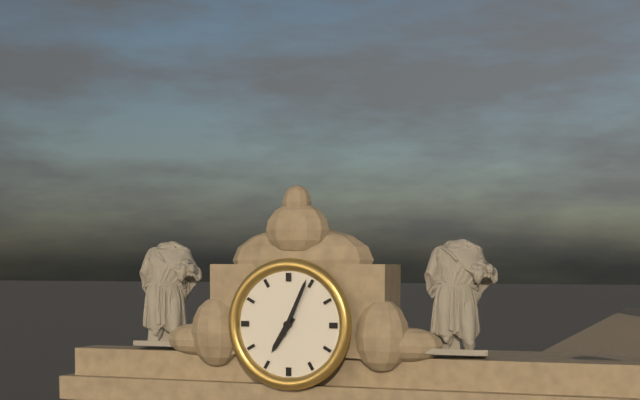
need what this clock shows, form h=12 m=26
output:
h=7 m=4
